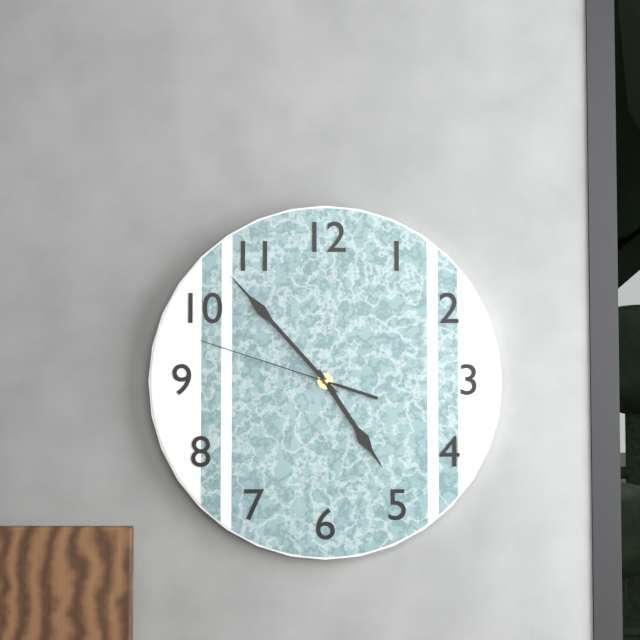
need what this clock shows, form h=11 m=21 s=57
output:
h=4 m=53 s=48
